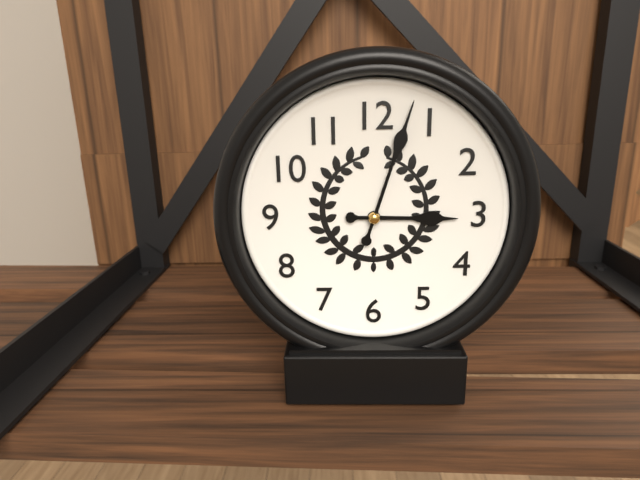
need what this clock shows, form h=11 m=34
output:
h=3 m=3
